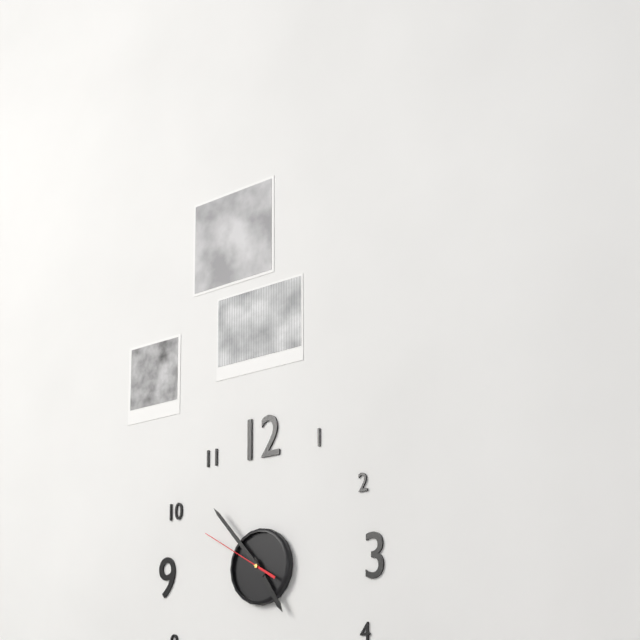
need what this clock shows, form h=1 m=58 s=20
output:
h=4 m=53 s=50
